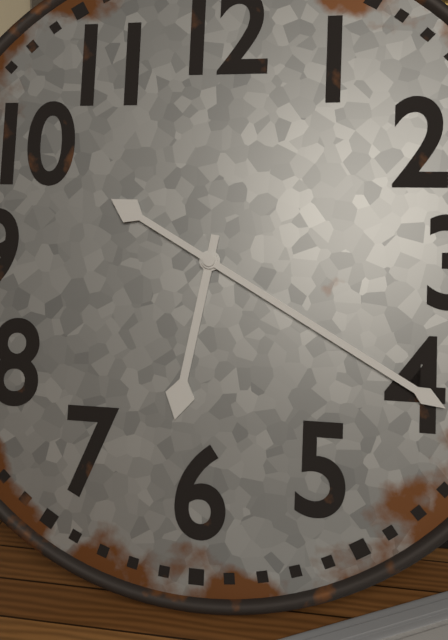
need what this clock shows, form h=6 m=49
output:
h=6 m=20
